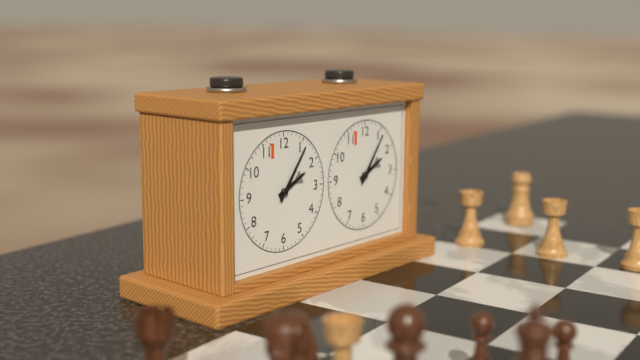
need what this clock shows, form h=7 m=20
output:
h=2 m=6
